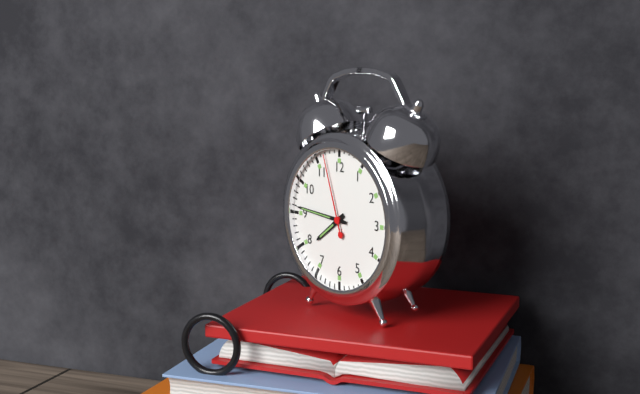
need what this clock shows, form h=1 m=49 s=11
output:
h=7 m=46 s=57
